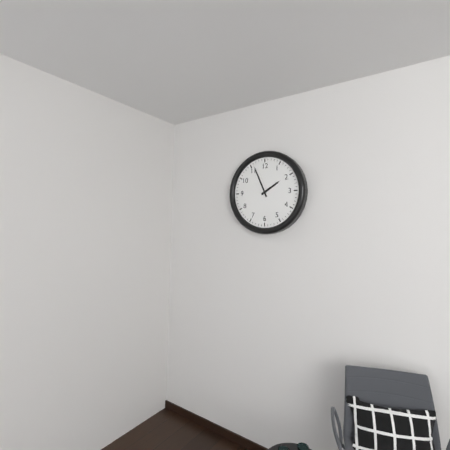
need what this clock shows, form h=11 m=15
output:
h=1 m=56
